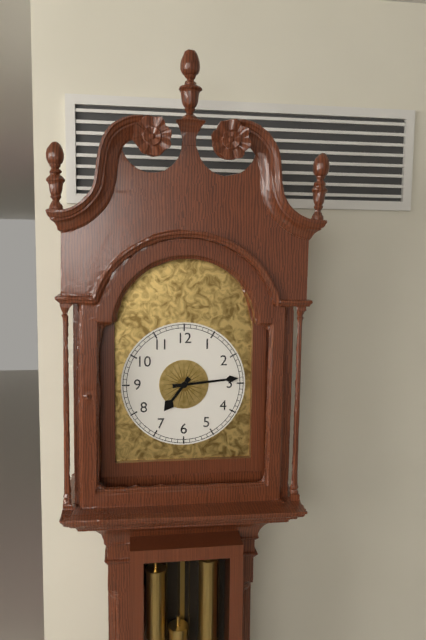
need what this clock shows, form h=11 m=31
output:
h=7 m=14
